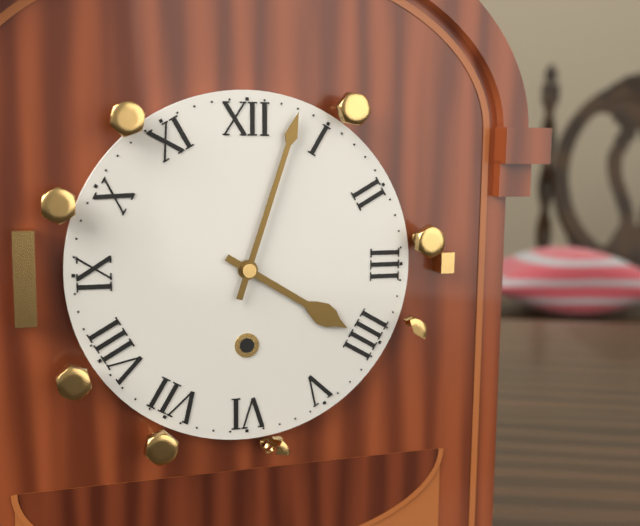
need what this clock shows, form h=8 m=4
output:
h=4 m=3
